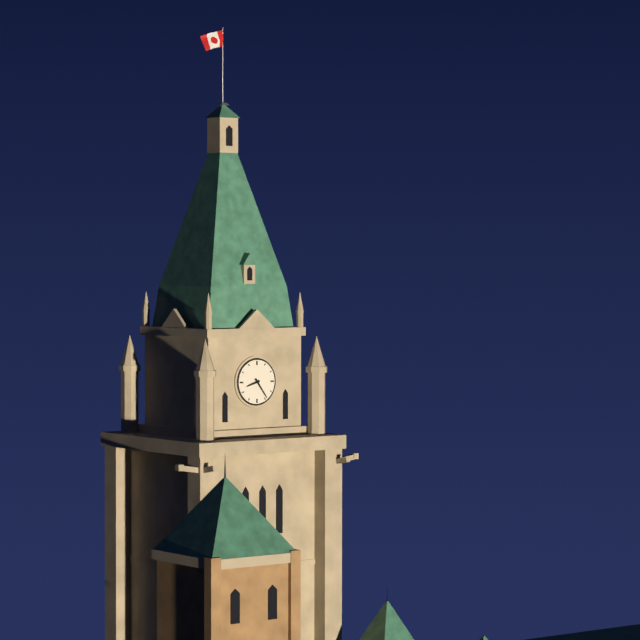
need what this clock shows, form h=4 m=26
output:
h=8 m=24
